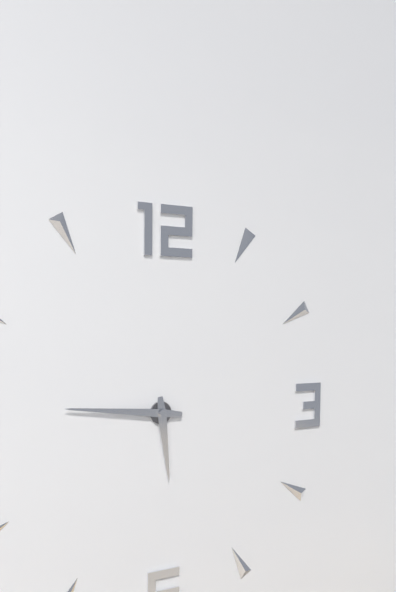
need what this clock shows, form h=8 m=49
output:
h=5 m=46
